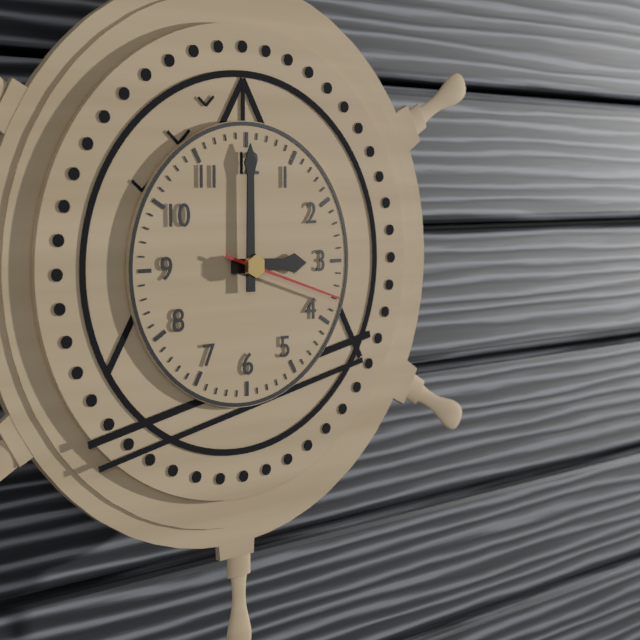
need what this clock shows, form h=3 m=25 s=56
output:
h=3 m=0 s=18
